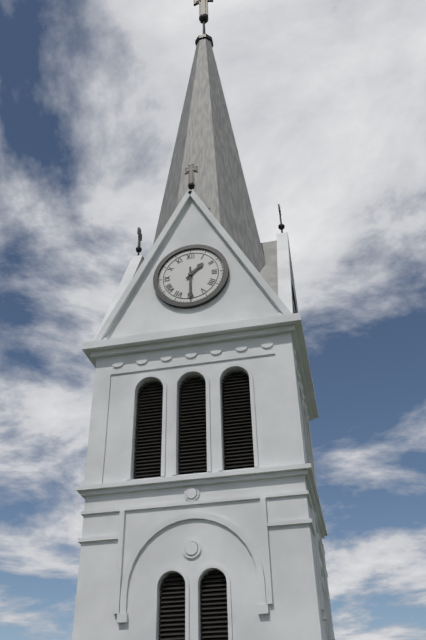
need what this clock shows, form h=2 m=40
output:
h=1 m=30
